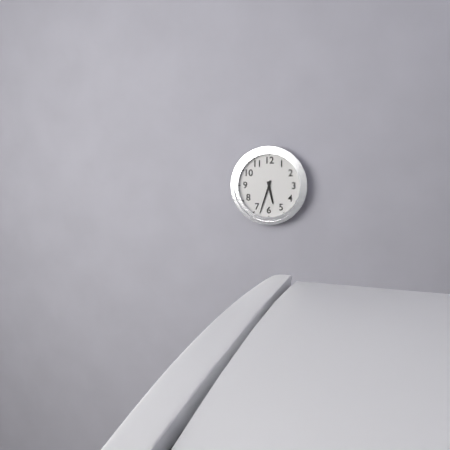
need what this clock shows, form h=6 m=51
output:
h=5 m=33
